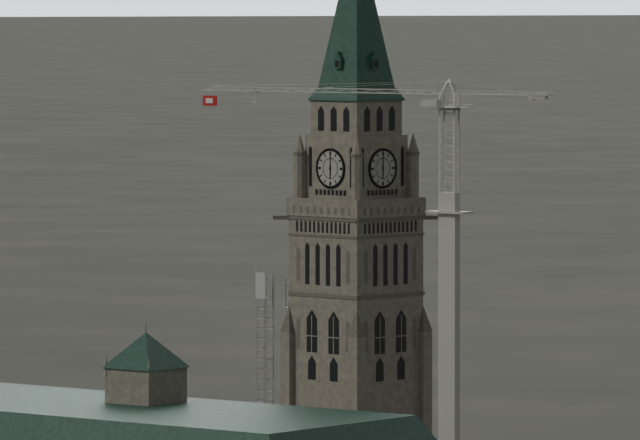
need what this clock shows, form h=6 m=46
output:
h=6 m=0
